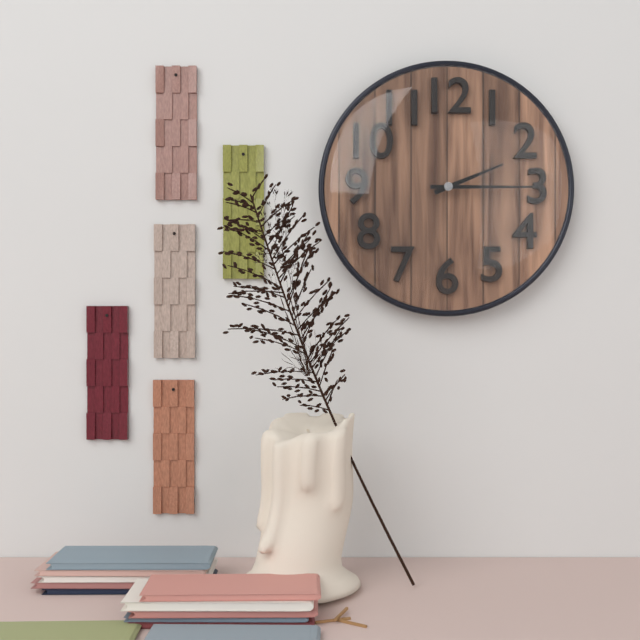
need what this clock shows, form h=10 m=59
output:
h=2 m=15
